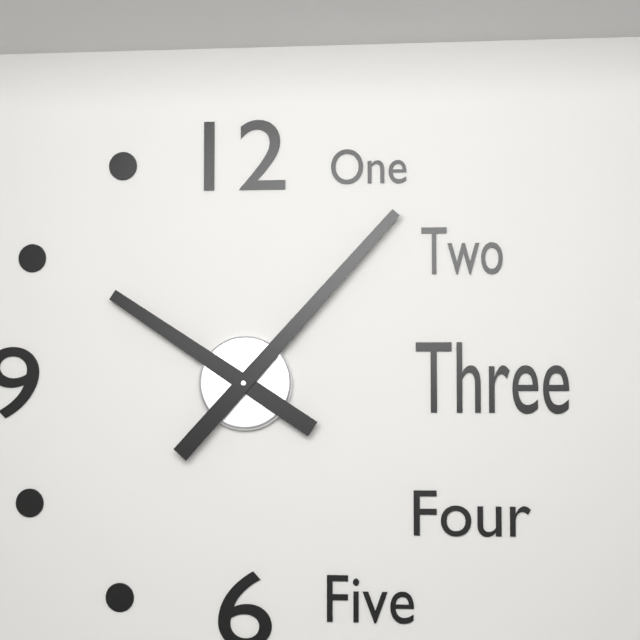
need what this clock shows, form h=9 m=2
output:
h=10 m=7
